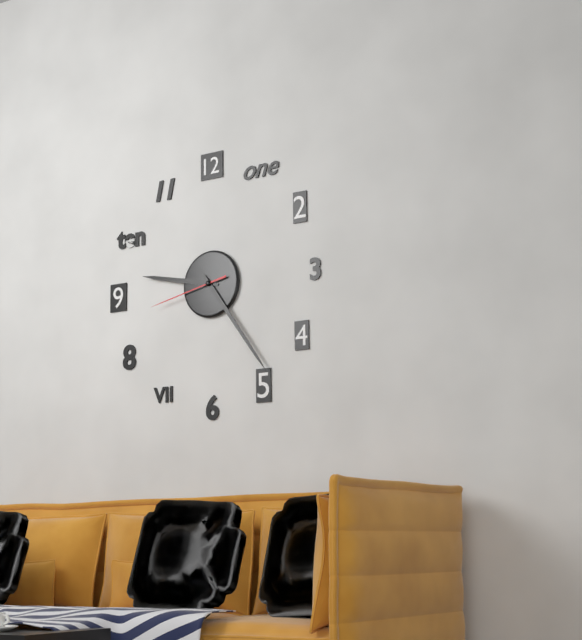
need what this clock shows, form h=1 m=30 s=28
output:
h=9 m=24 s=43
